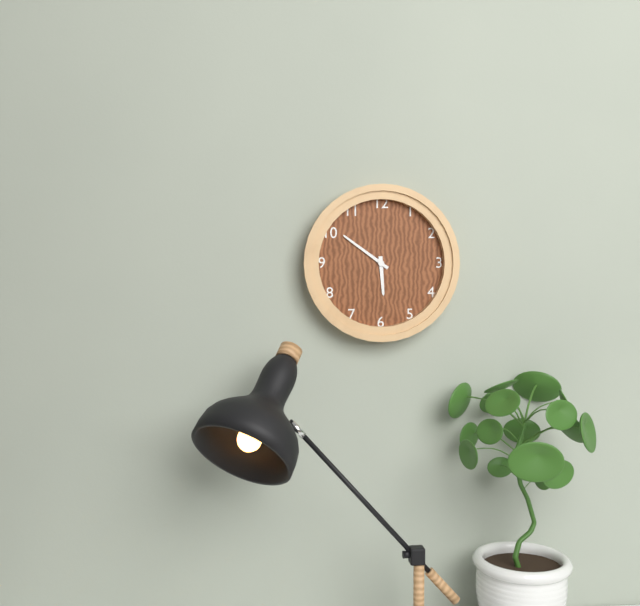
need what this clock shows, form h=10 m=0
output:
h=5 m=51
